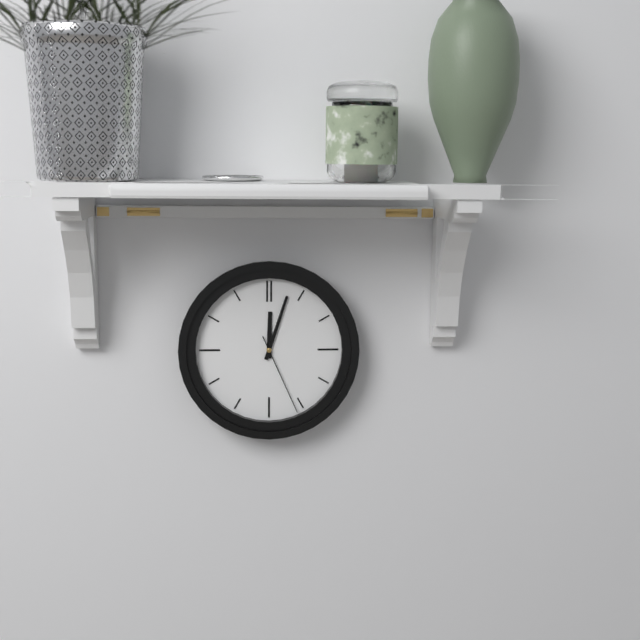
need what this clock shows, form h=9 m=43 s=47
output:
h=12 m=3 s=26
